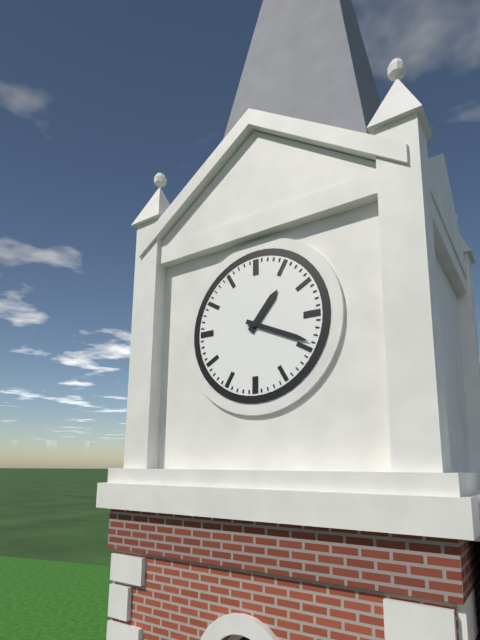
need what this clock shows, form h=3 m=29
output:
h=1 m=19
